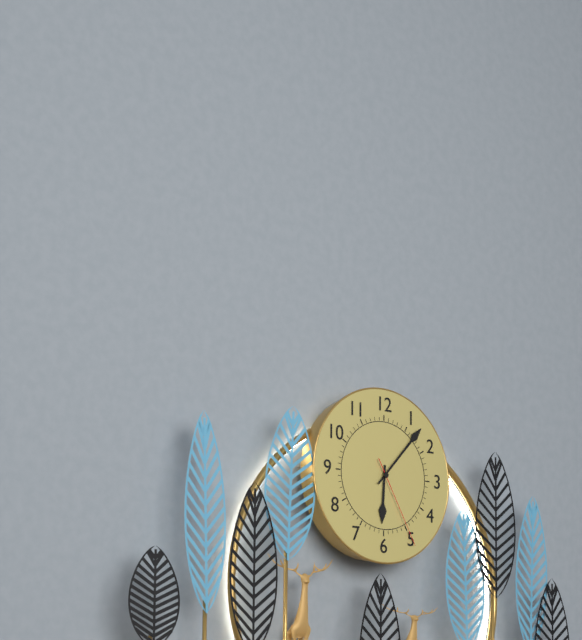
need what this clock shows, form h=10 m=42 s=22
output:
h=6 m=7 s=25
